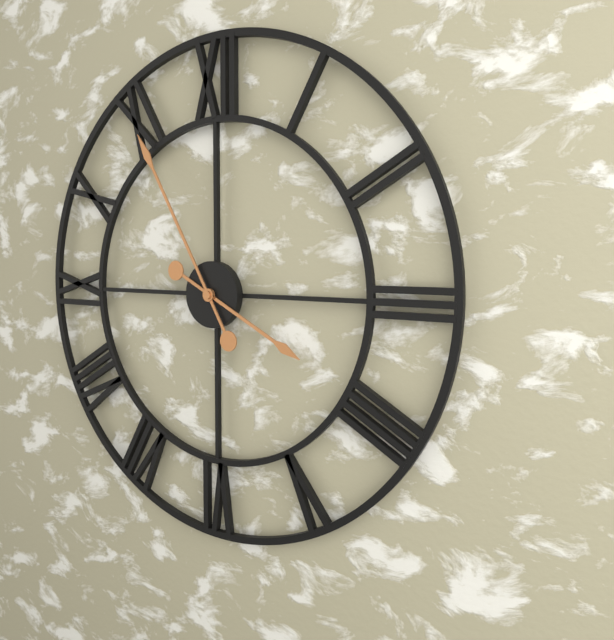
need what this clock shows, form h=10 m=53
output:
h=3 m=55
